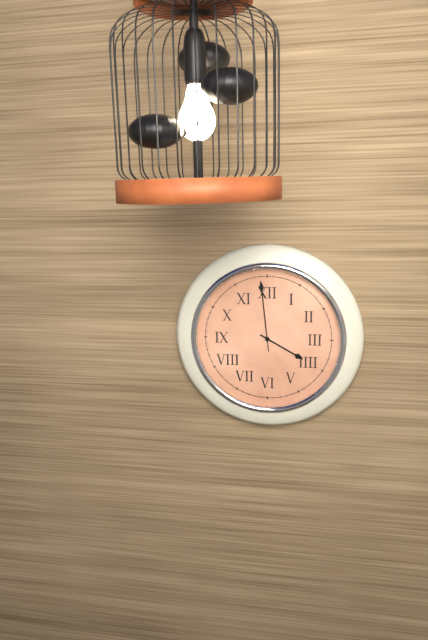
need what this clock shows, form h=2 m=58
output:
h=3 m=59
